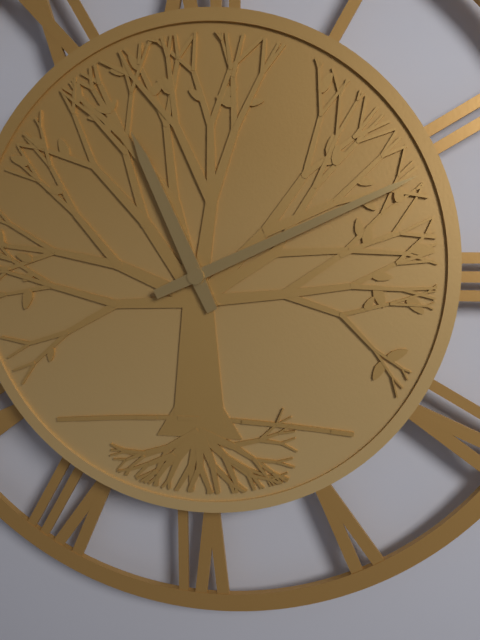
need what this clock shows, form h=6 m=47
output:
h=11 m=11
